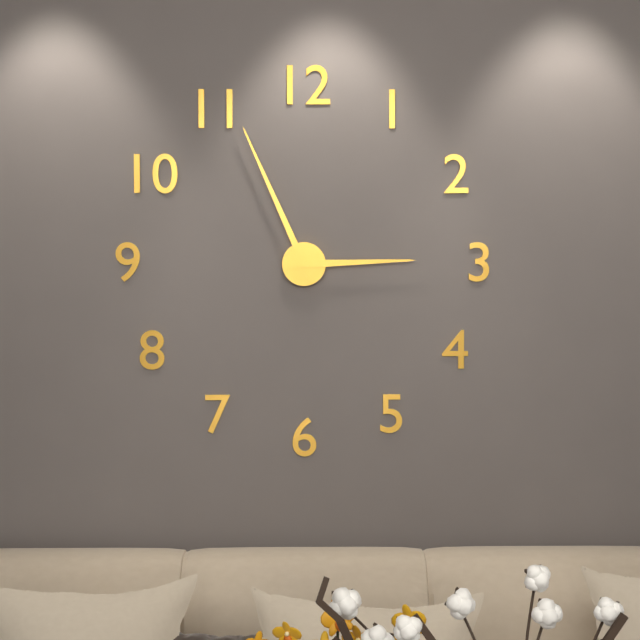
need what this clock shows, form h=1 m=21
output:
h=2 m=56
